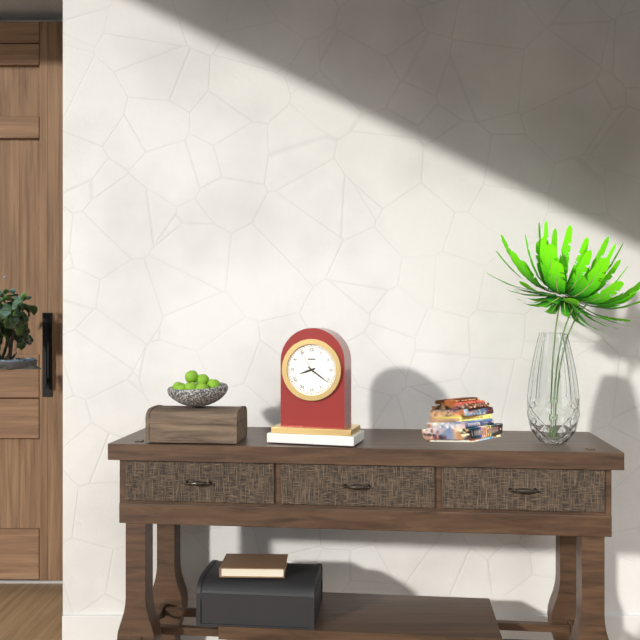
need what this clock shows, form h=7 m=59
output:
h=8 m=21
